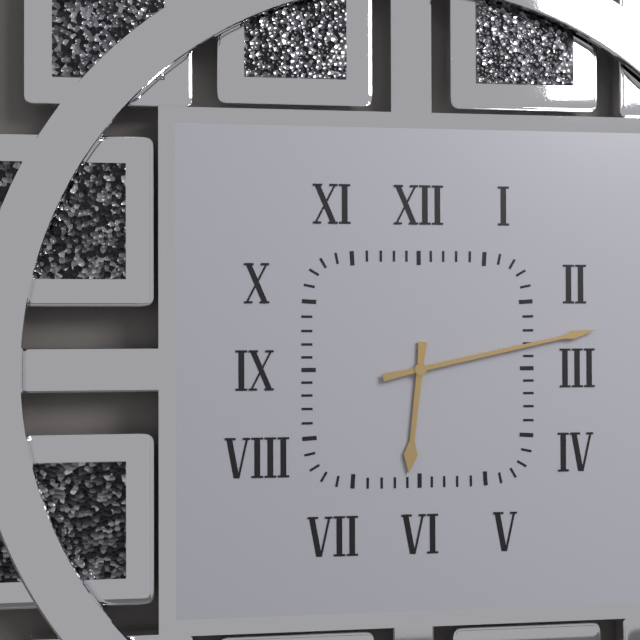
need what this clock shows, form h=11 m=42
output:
h=6 m=13
